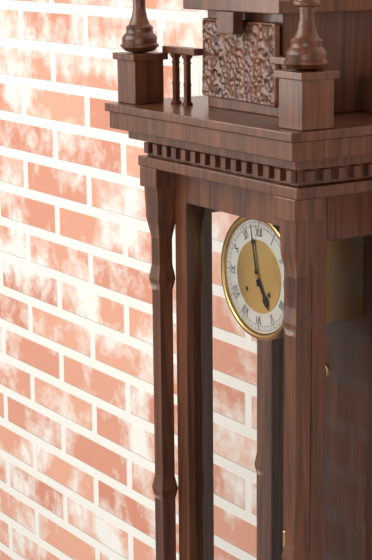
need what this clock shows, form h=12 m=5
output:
h=4 m=58
